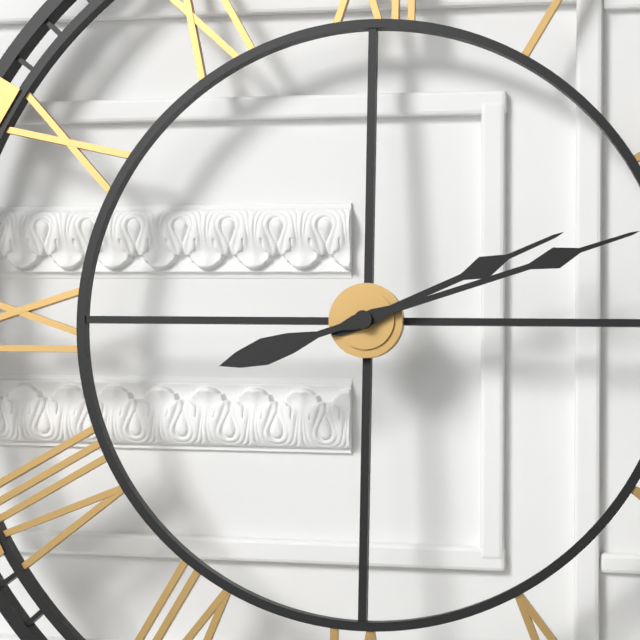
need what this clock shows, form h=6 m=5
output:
h=2 m=12
